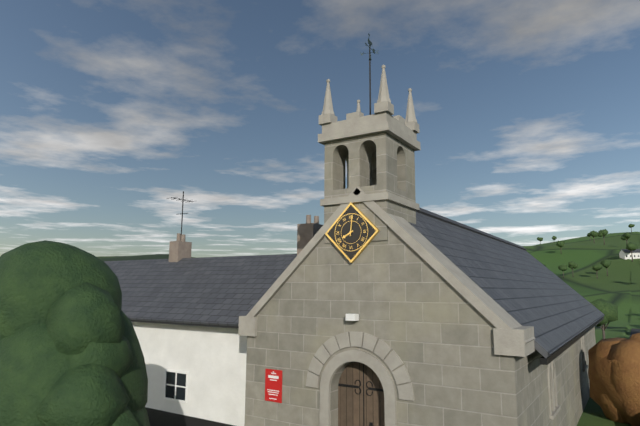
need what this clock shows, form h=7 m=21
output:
h=8 m=1
